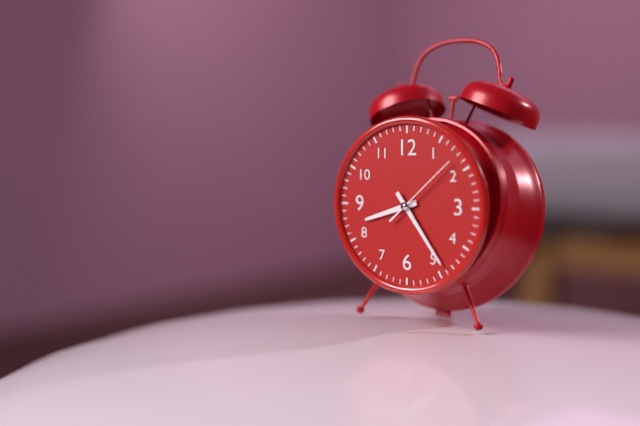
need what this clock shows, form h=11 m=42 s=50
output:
h=8 m=24 s=8
